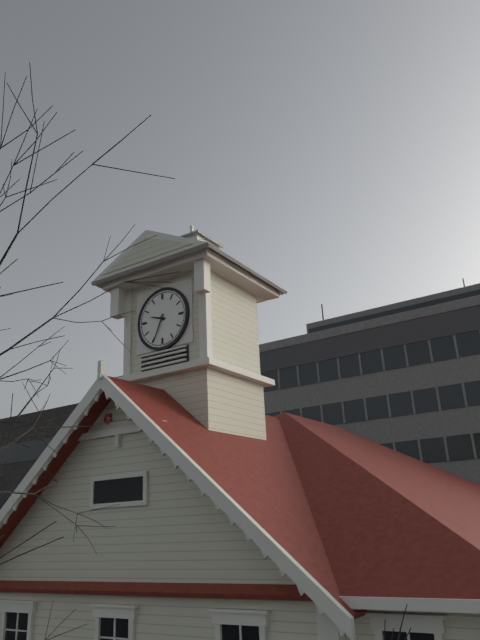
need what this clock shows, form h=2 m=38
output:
h=9 m=34
